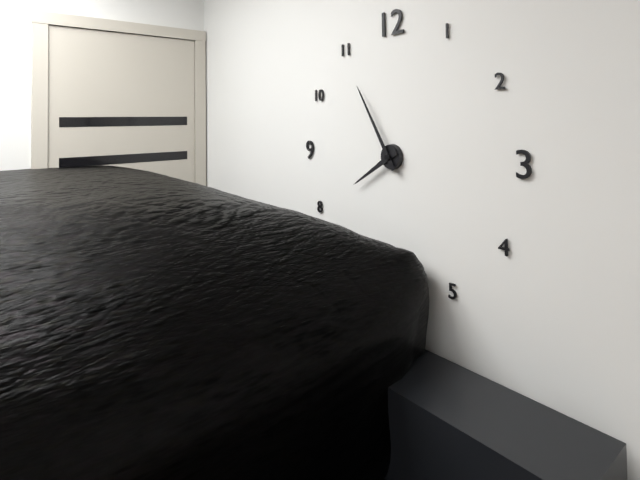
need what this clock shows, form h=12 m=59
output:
h=7 m=55
